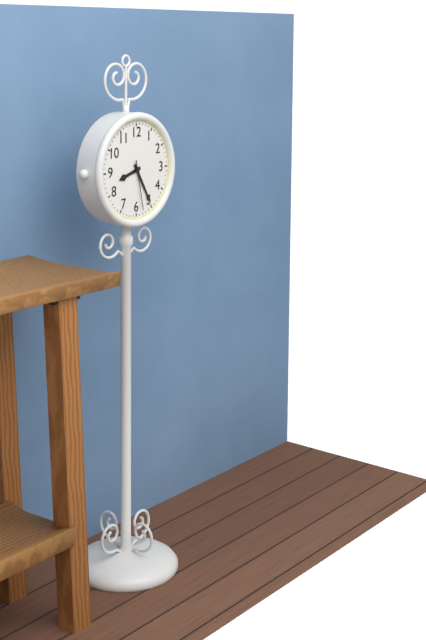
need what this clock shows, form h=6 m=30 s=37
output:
h=8 m=25 s=28
